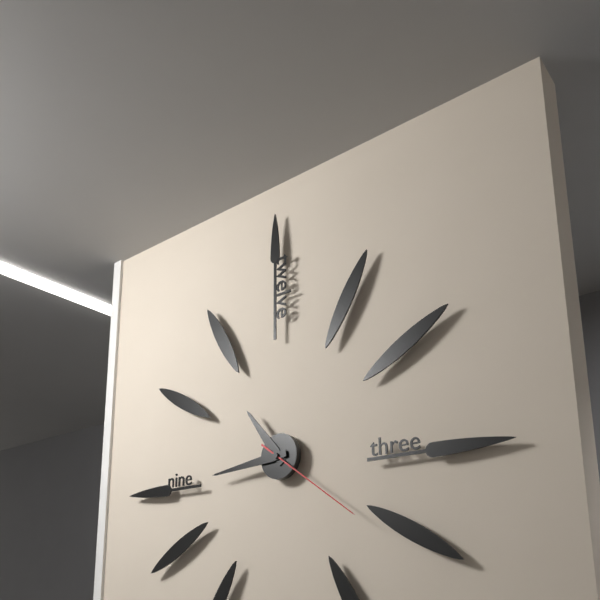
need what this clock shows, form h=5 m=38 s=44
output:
h=10 m=44 s=21
